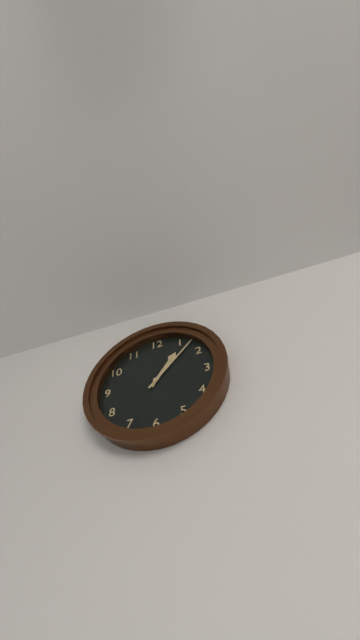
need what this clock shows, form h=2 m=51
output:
h=1 m=7
